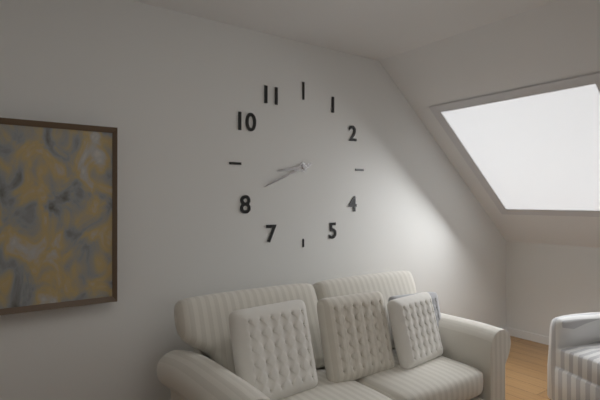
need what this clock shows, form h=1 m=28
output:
h=8 m=41
